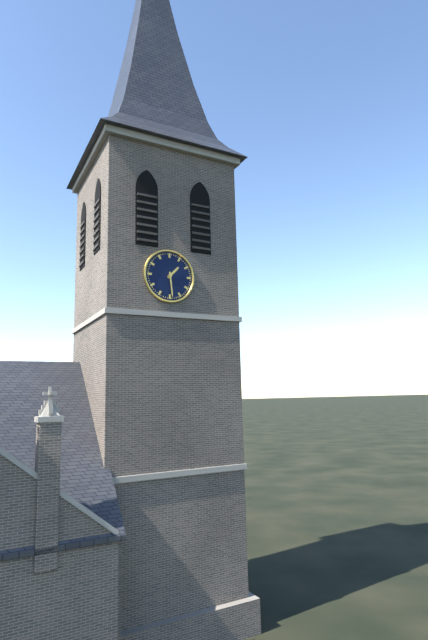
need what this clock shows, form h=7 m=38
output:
h=1 m=29
